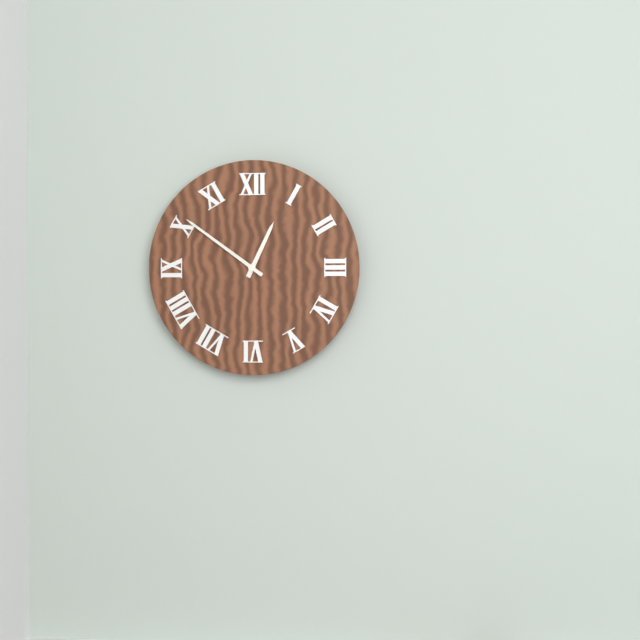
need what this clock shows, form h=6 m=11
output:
h=12 m=51
